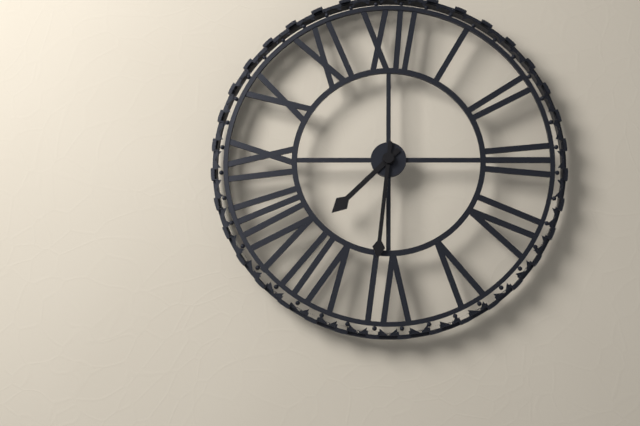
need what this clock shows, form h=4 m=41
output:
h=7 m=31
